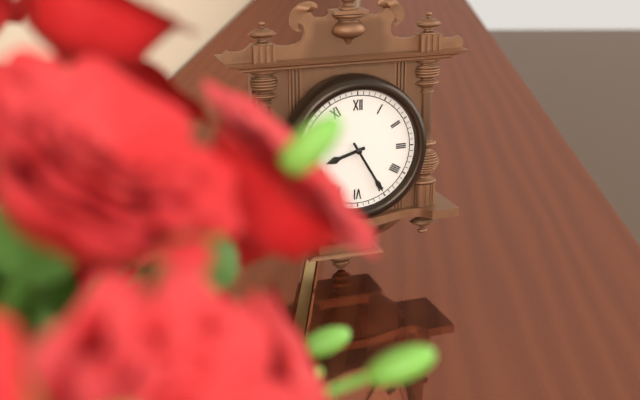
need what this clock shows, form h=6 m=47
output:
h=8 m=25
